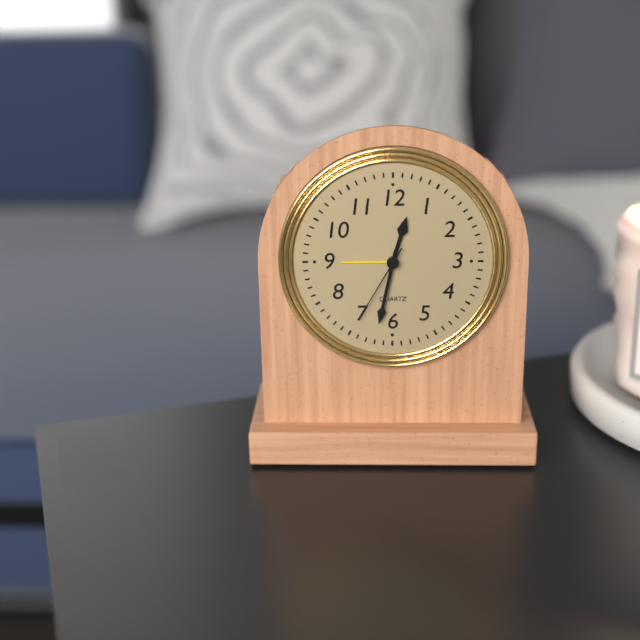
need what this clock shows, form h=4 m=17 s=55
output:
h=12 m=32 s=35
